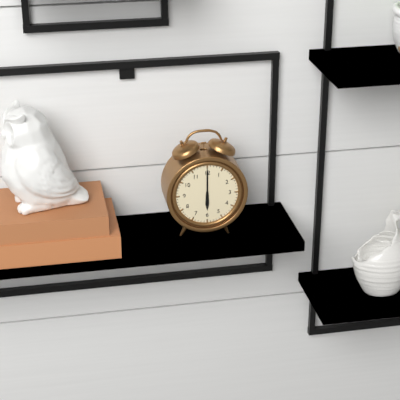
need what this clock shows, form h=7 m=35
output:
h=6 m=0
